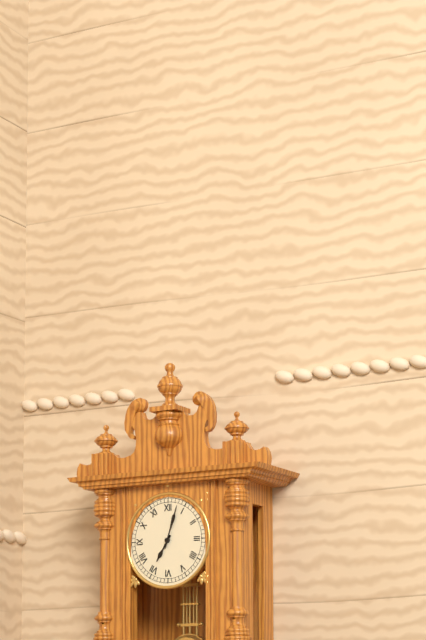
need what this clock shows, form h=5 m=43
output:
h=7 m=3
